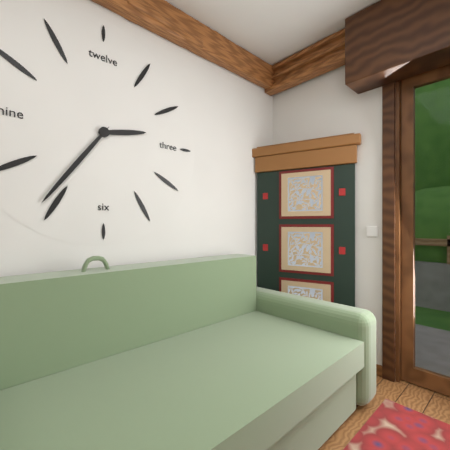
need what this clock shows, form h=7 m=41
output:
h=2 m=36
